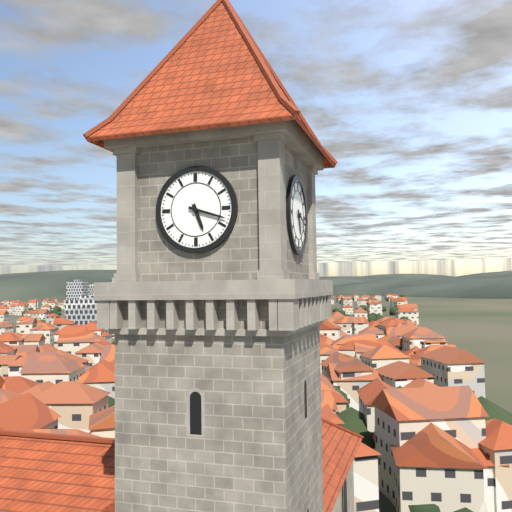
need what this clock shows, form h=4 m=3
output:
h=5 m=18
